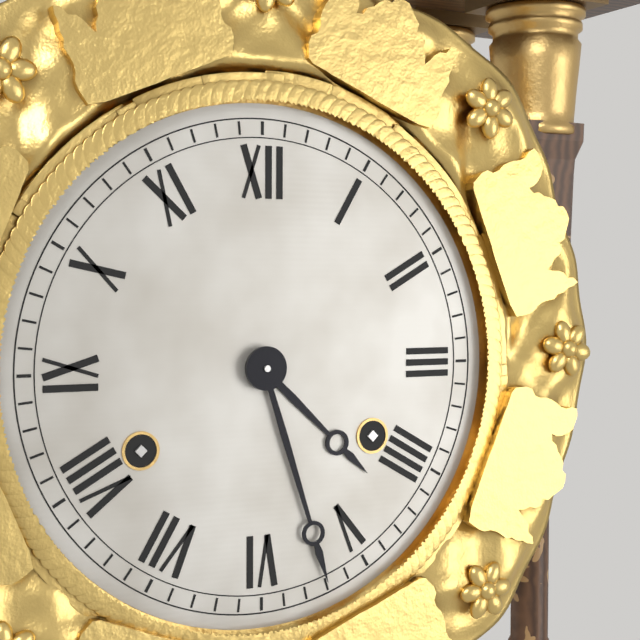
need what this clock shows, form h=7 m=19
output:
h=4 m=27
